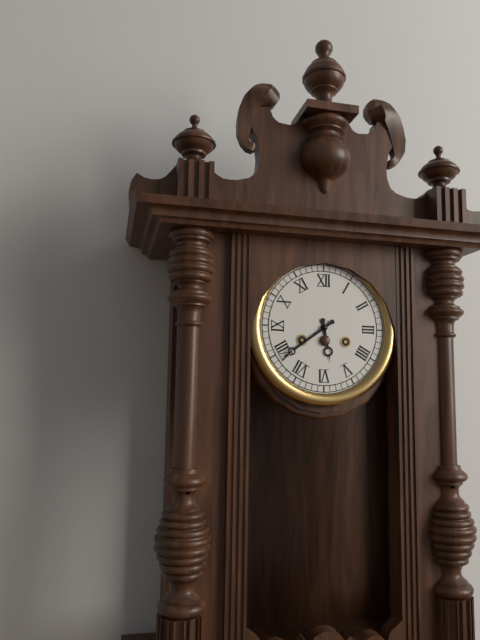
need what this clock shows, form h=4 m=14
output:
h=5 m=39
